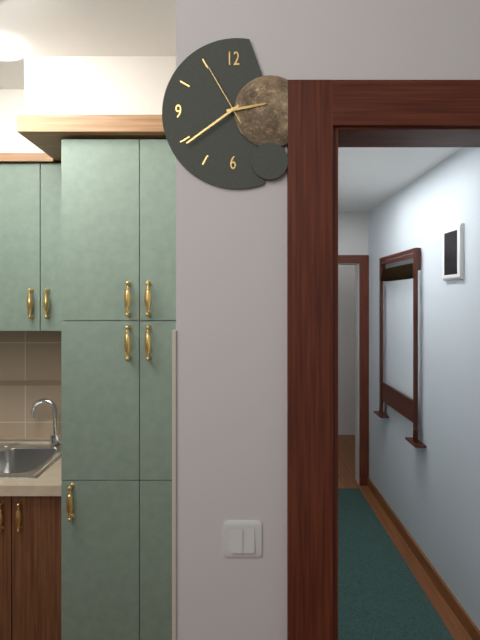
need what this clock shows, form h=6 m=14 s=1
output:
h=2 m=39 s=55
